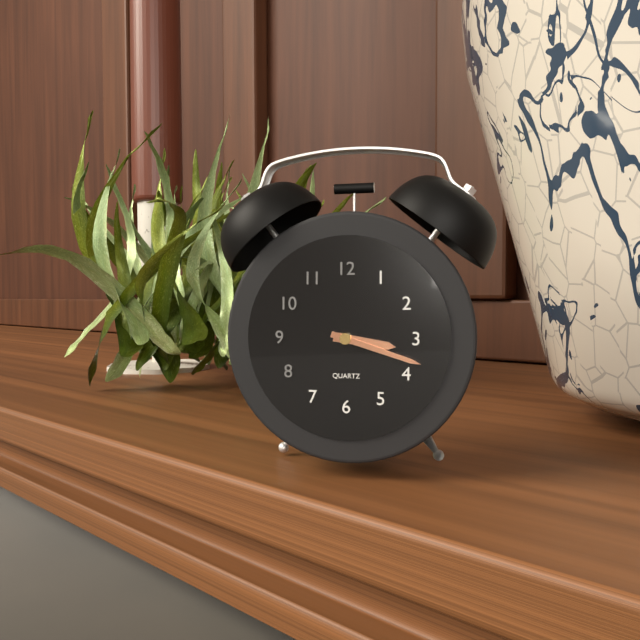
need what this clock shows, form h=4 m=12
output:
h=3 m=18
